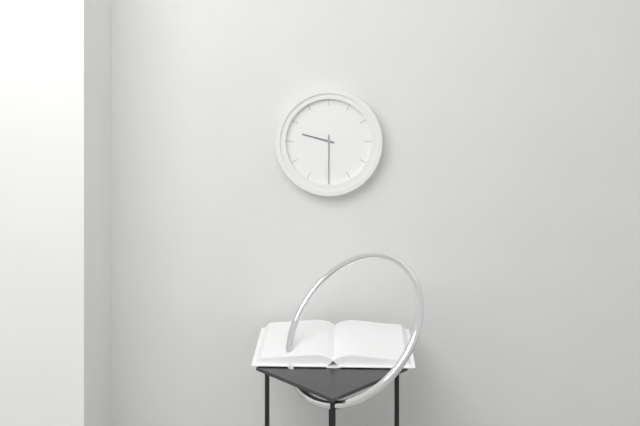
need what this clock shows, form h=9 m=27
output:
h=9 m=30
